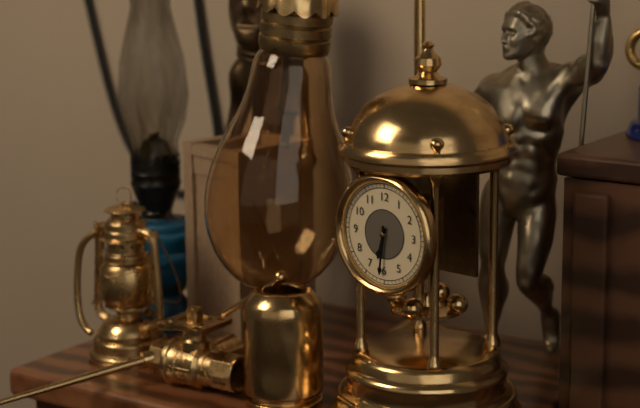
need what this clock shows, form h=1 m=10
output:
h=6 m=31
